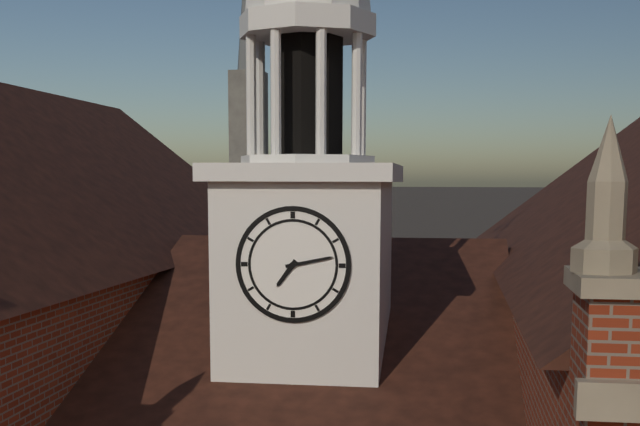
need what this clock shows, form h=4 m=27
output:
h=7 m=13
